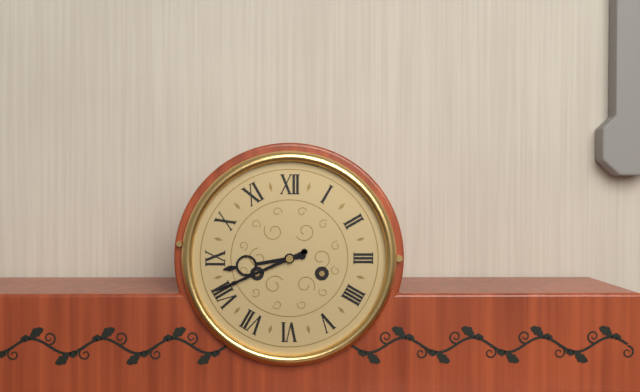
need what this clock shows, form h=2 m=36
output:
h=8 m=41
